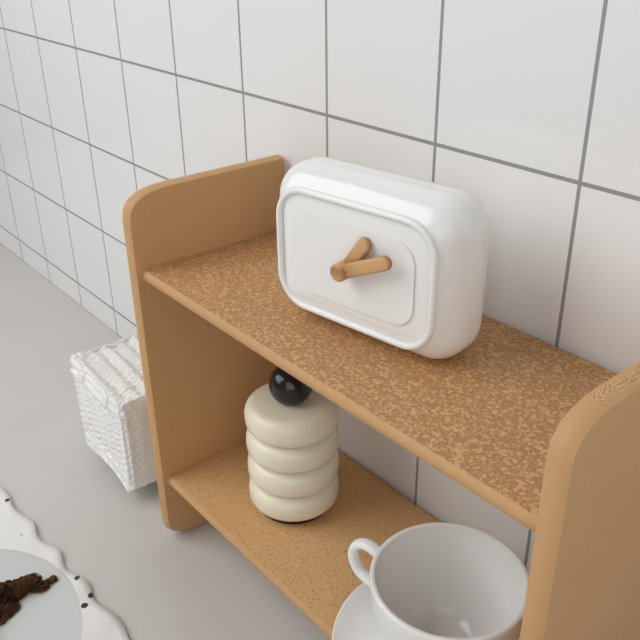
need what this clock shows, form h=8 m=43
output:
h=1 m=11
